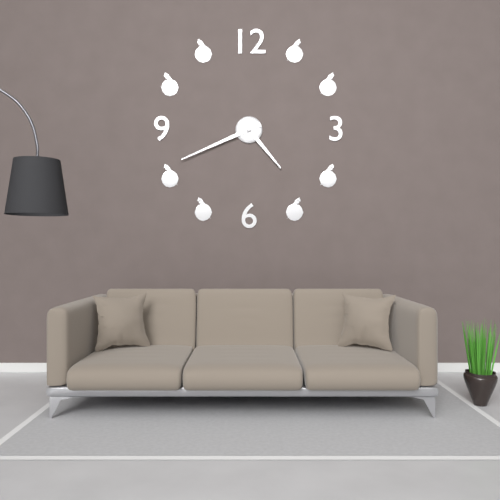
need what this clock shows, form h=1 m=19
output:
h=4 m=41
